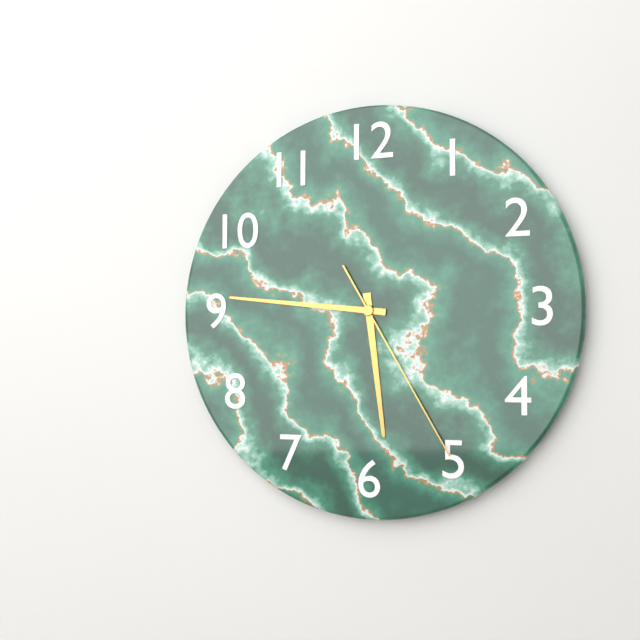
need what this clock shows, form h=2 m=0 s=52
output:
h=5 m=46 s=25
